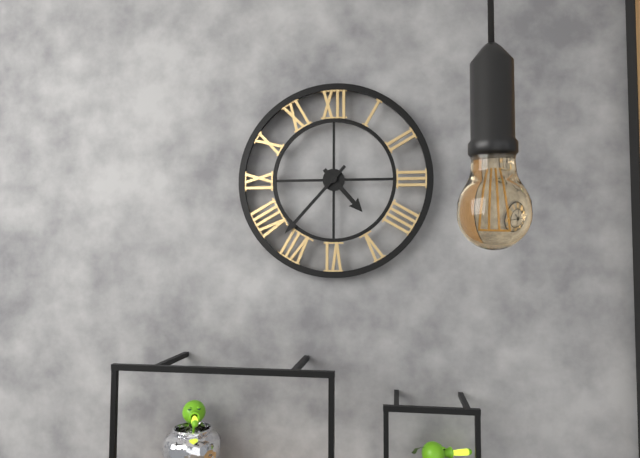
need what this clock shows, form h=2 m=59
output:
h=4 m=37
